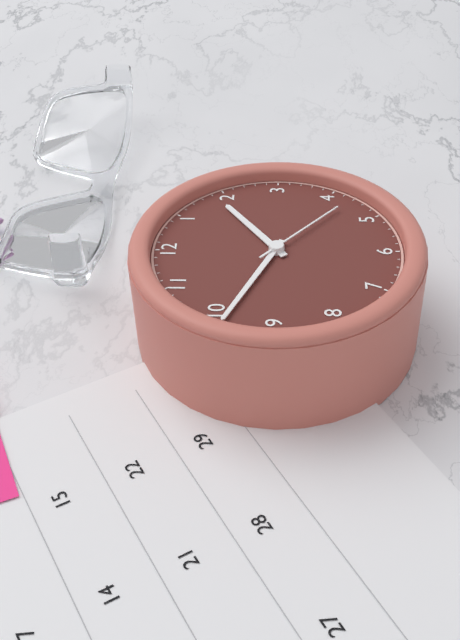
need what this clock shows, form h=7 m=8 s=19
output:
h=1 m=49 s=22
